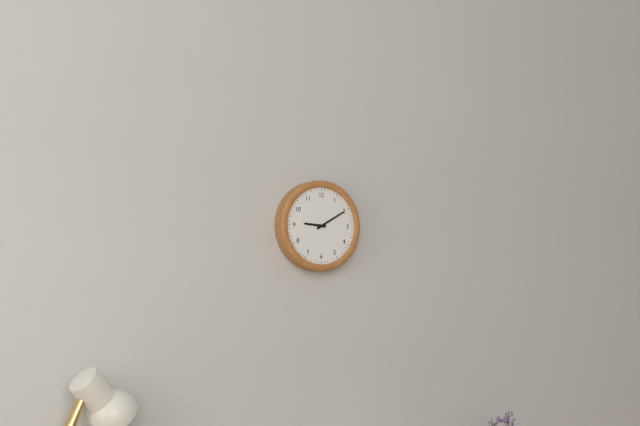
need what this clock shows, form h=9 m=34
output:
h=9 m=10
